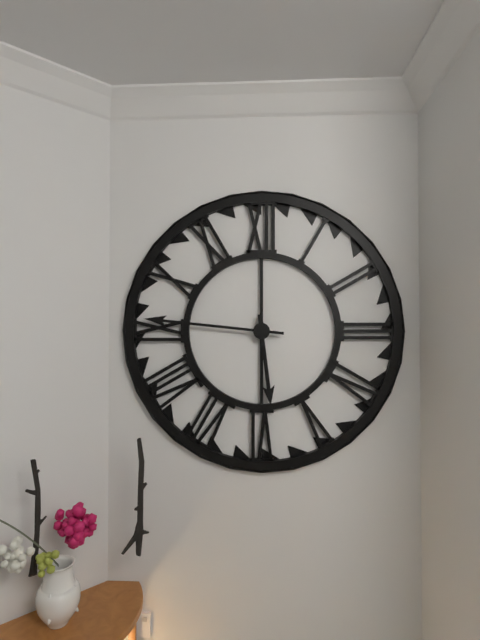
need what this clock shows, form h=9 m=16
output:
h=5 m=46
